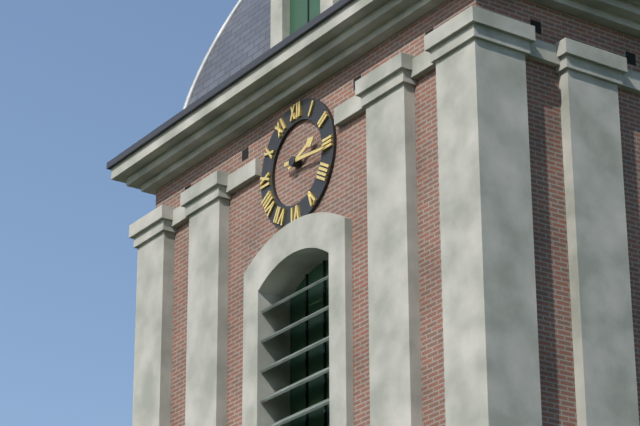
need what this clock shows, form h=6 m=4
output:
h=2 m=16
